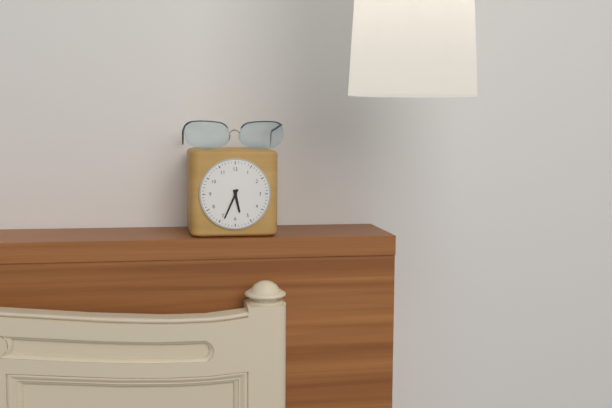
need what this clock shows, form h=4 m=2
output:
h=5 m=34
